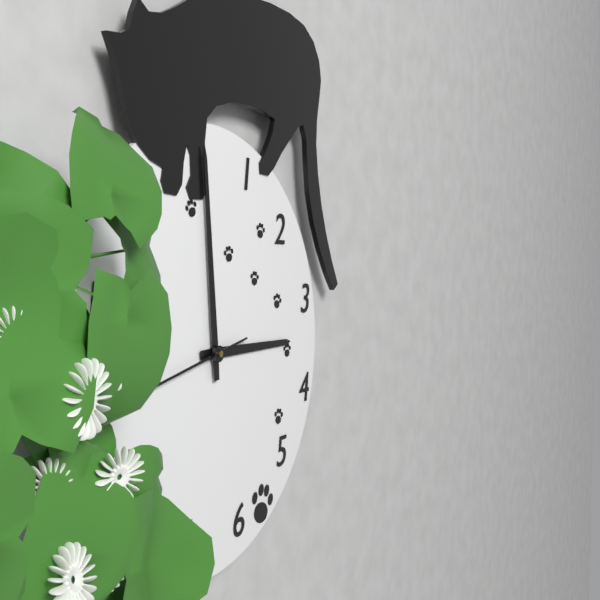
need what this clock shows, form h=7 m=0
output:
h=2 m=59
